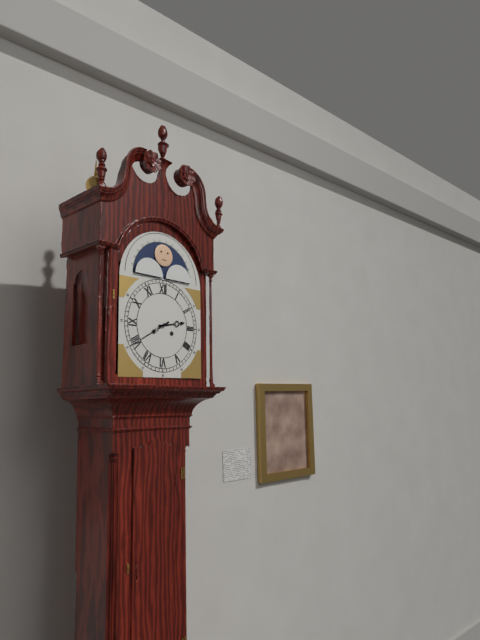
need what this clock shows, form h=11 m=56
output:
h=2 m=40
